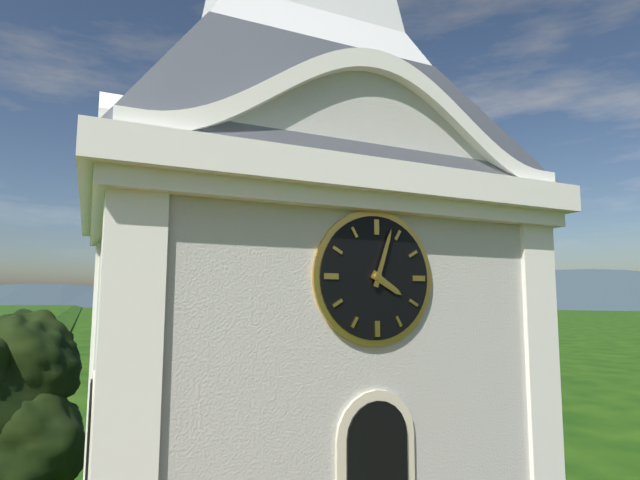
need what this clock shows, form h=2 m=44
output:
h=4 m=3
